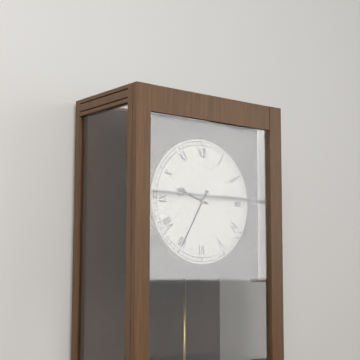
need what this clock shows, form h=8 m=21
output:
h=9 m=35
